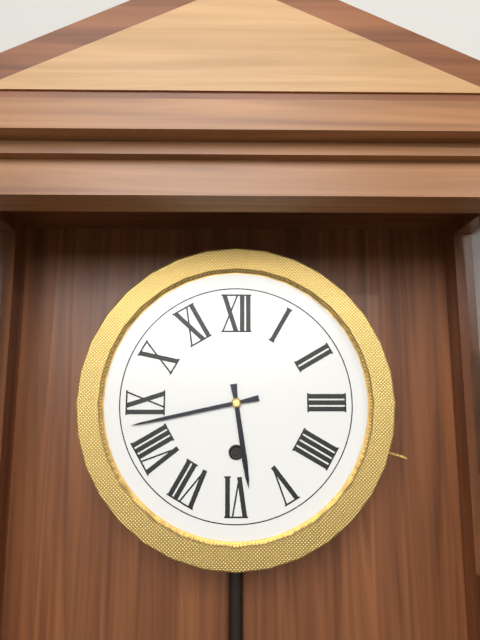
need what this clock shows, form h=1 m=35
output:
h=5 m=43
